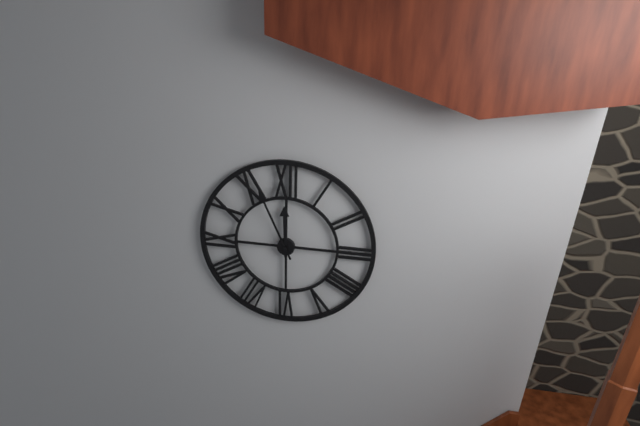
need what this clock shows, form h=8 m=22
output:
h=11 m=56
